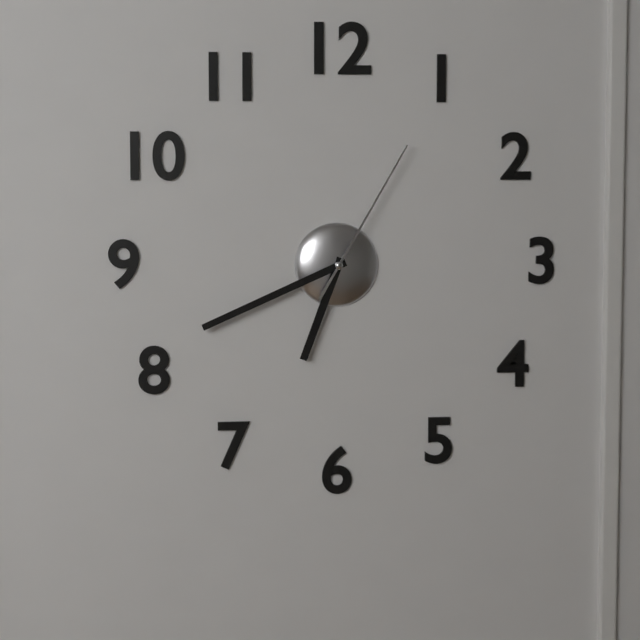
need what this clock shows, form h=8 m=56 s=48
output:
h=6 m=41 s=5
